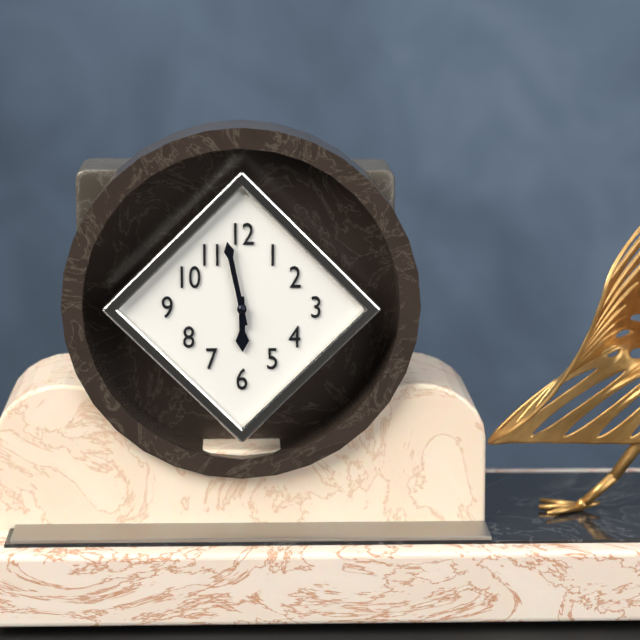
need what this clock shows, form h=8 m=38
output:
h=5 m=58
